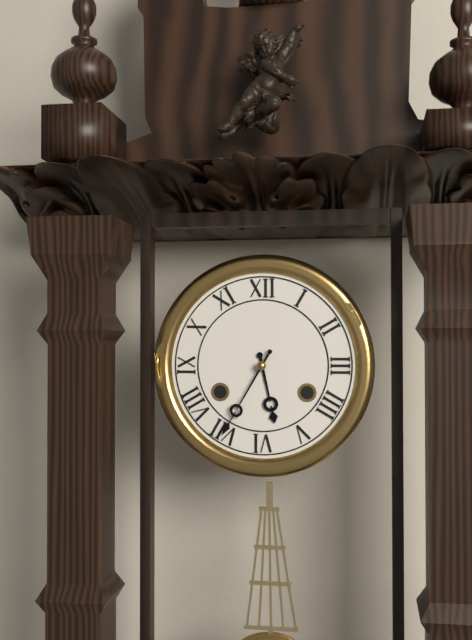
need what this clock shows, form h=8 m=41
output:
h=5 m=35
